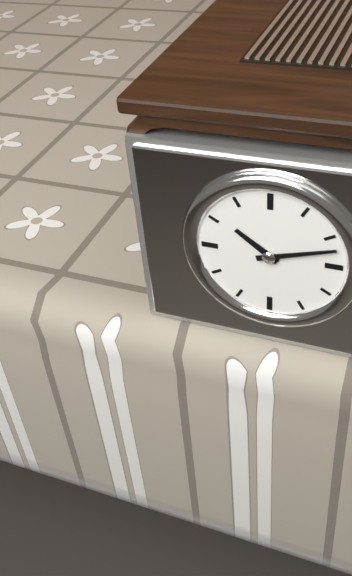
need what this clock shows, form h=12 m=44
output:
h=10 m=12
